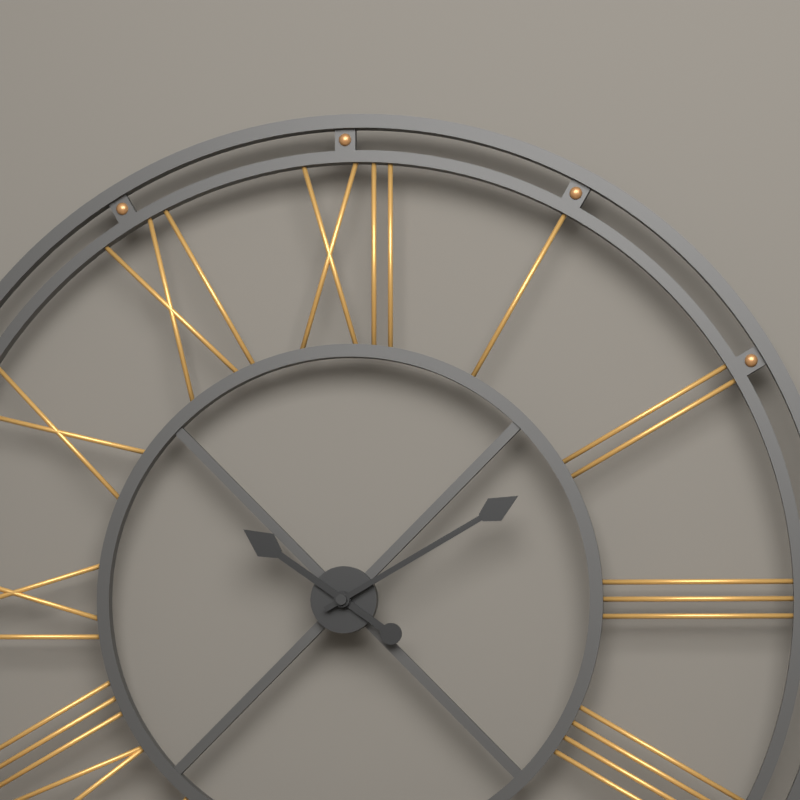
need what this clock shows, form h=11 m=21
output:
h=10 m=10
